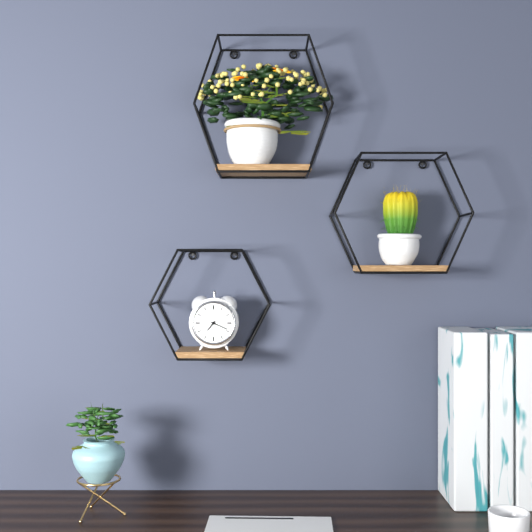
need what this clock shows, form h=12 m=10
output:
h=7 m=19
